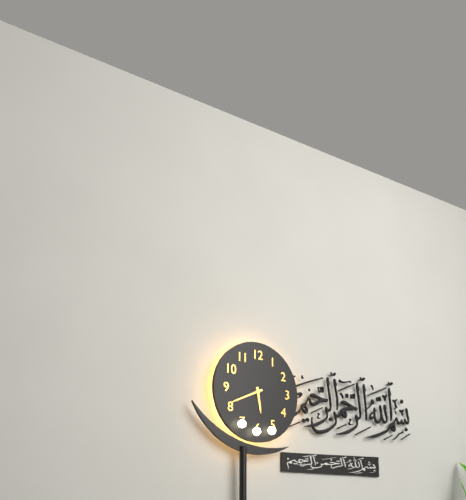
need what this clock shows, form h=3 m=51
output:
h=5 m=41
